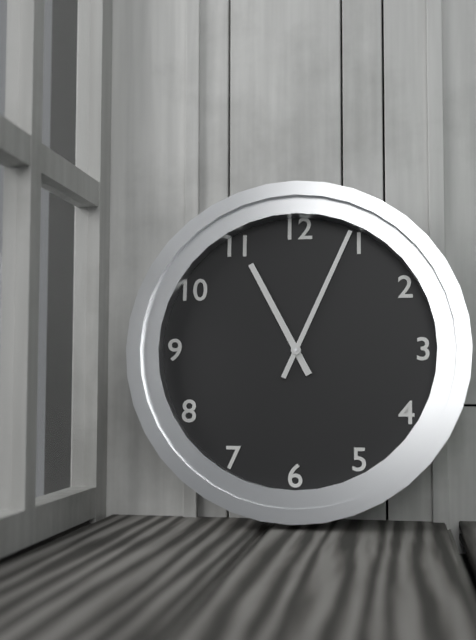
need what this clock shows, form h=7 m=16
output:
h=11 m=4
